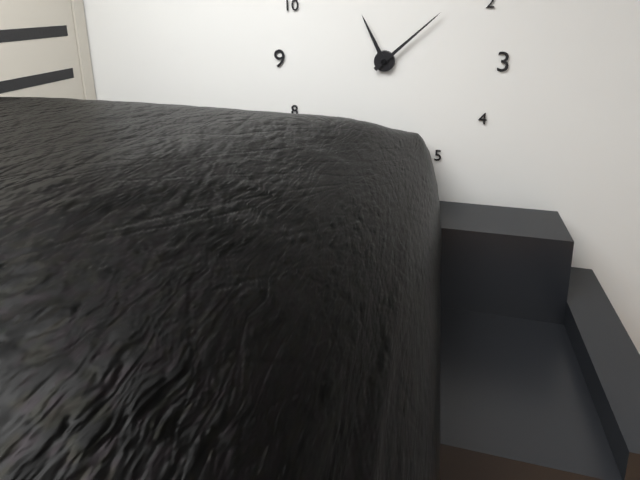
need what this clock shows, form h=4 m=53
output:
h=11 m=8
